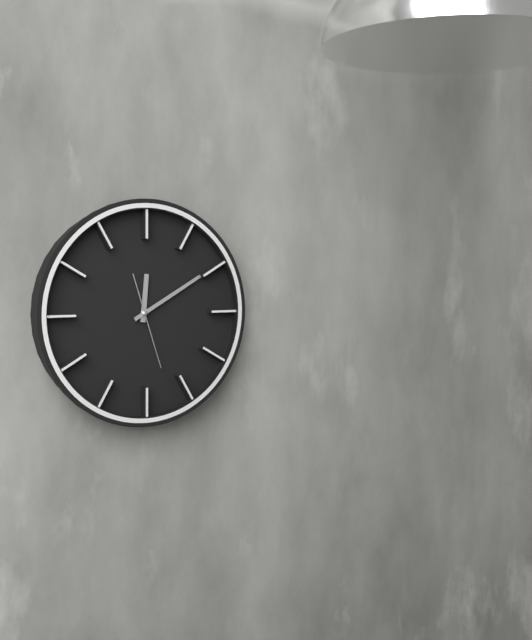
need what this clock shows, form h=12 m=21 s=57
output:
h=12 m=10 s=27
